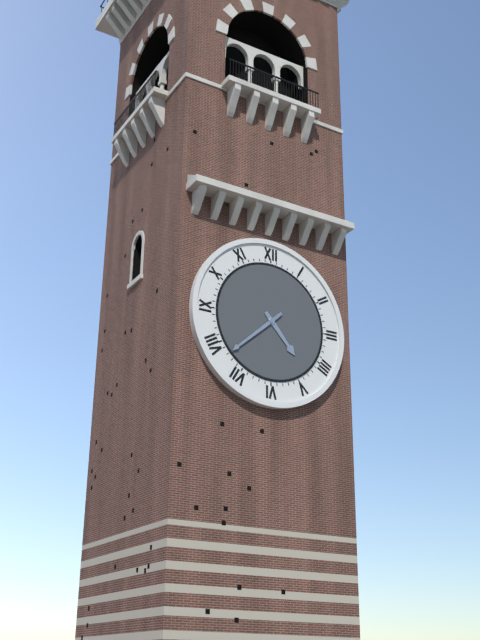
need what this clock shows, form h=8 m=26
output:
h=4 m=38
